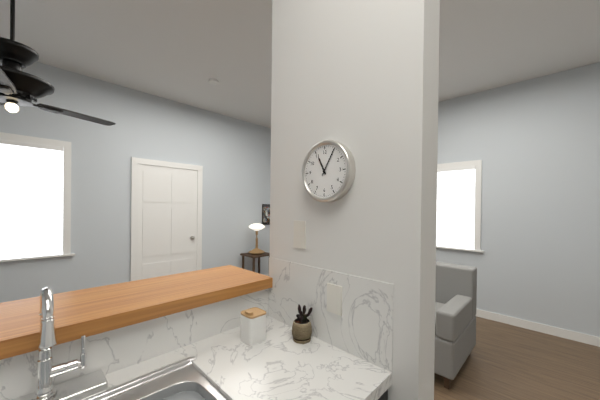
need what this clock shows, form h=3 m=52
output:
h=11 m=5
